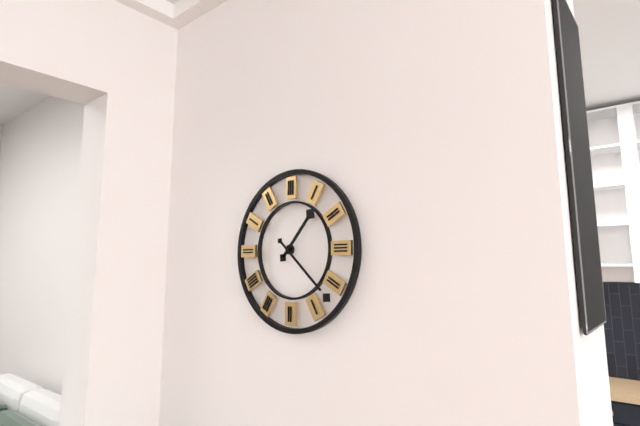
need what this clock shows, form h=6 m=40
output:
h=1 m=22
